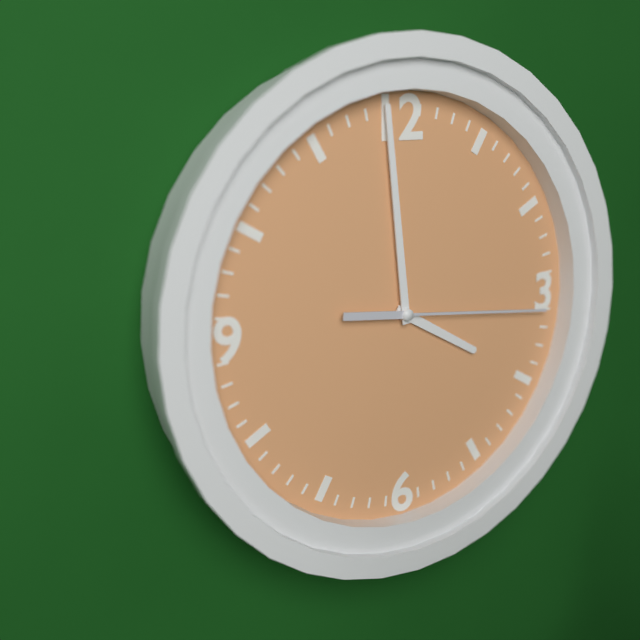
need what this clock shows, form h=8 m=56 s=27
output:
h=3 m=59 s=16
